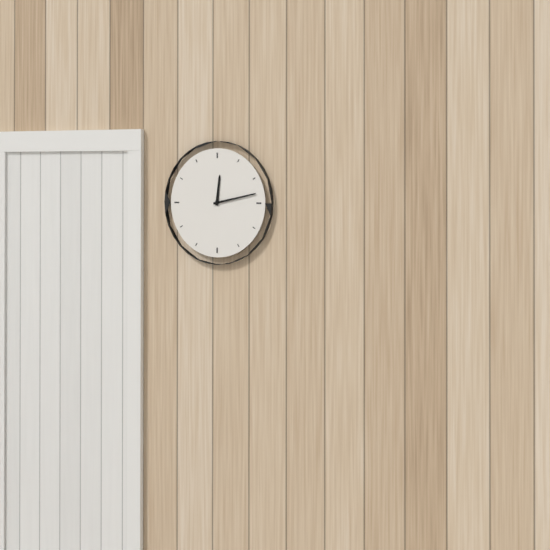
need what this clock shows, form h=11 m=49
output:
h=12 m=13
